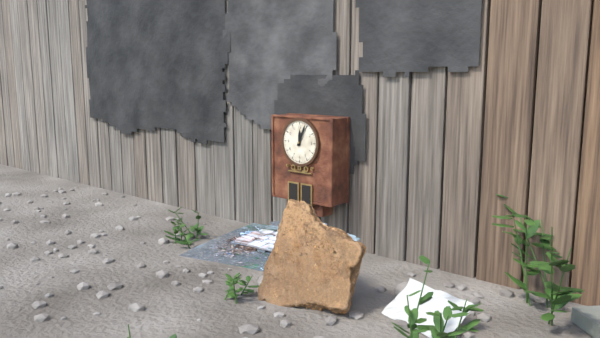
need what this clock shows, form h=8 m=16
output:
h=12 m=4
